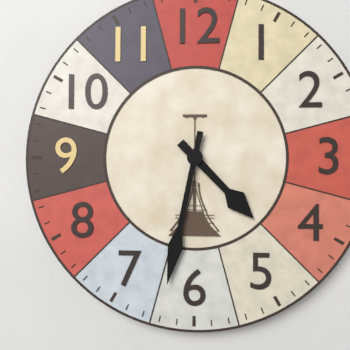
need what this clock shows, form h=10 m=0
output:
h=4 m=32
